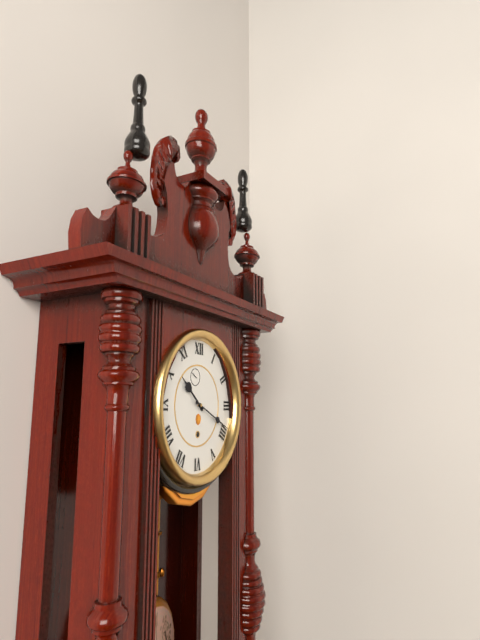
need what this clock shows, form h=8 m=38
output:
h=10 m=19
